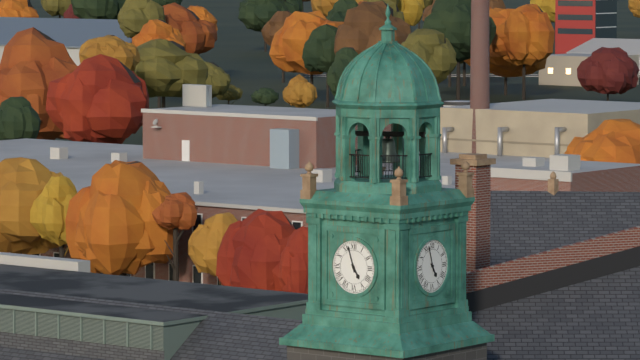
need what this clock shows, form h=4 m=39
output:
h=4 m=57
